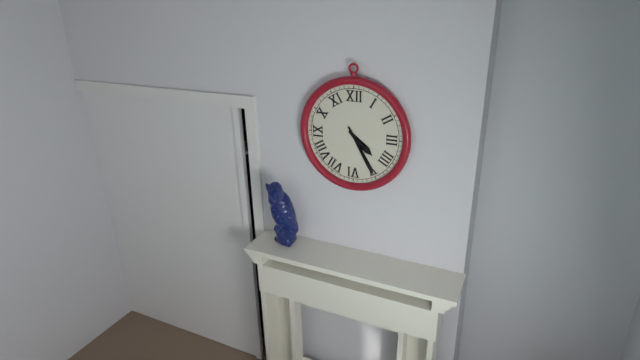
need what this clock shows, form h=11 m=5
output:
h=4 m=25
